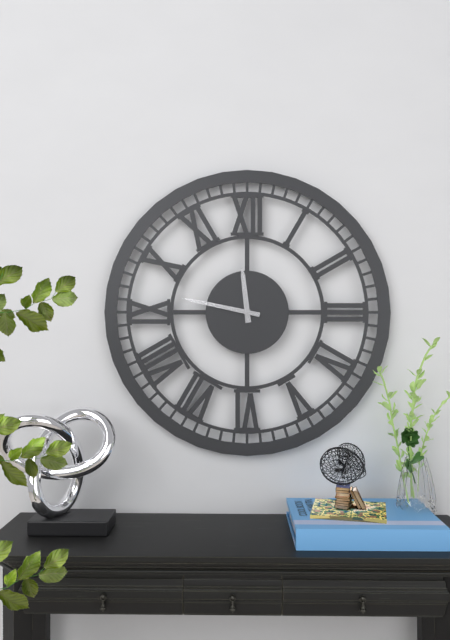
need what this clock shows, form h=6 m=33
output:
h=11 m=47
